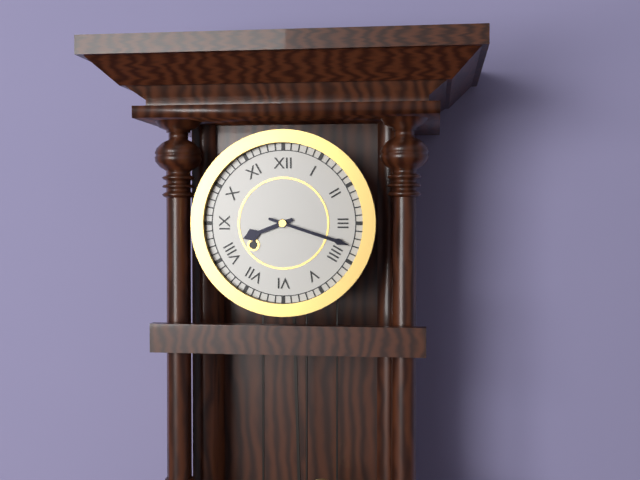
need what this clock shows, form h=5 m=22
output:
h=8 m=18
